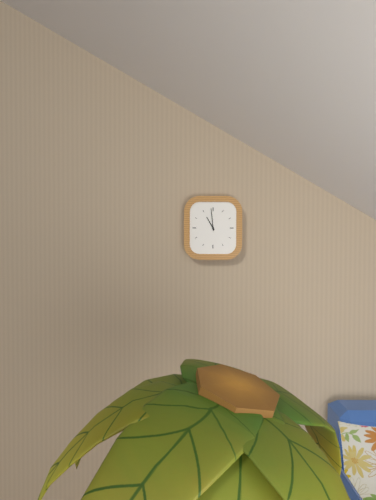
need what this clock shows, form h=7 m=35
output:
h=10 m=59
